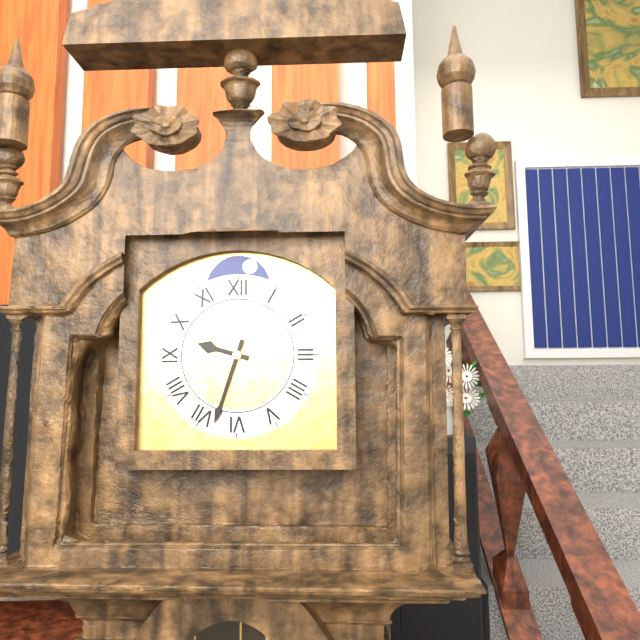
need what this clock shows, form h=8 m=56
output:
h=9 m=33
